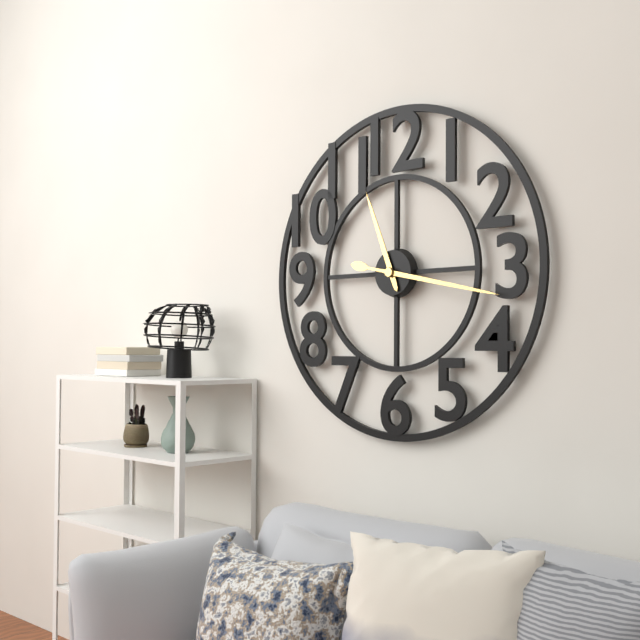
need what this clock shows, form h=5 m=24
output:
h=11 m=17
